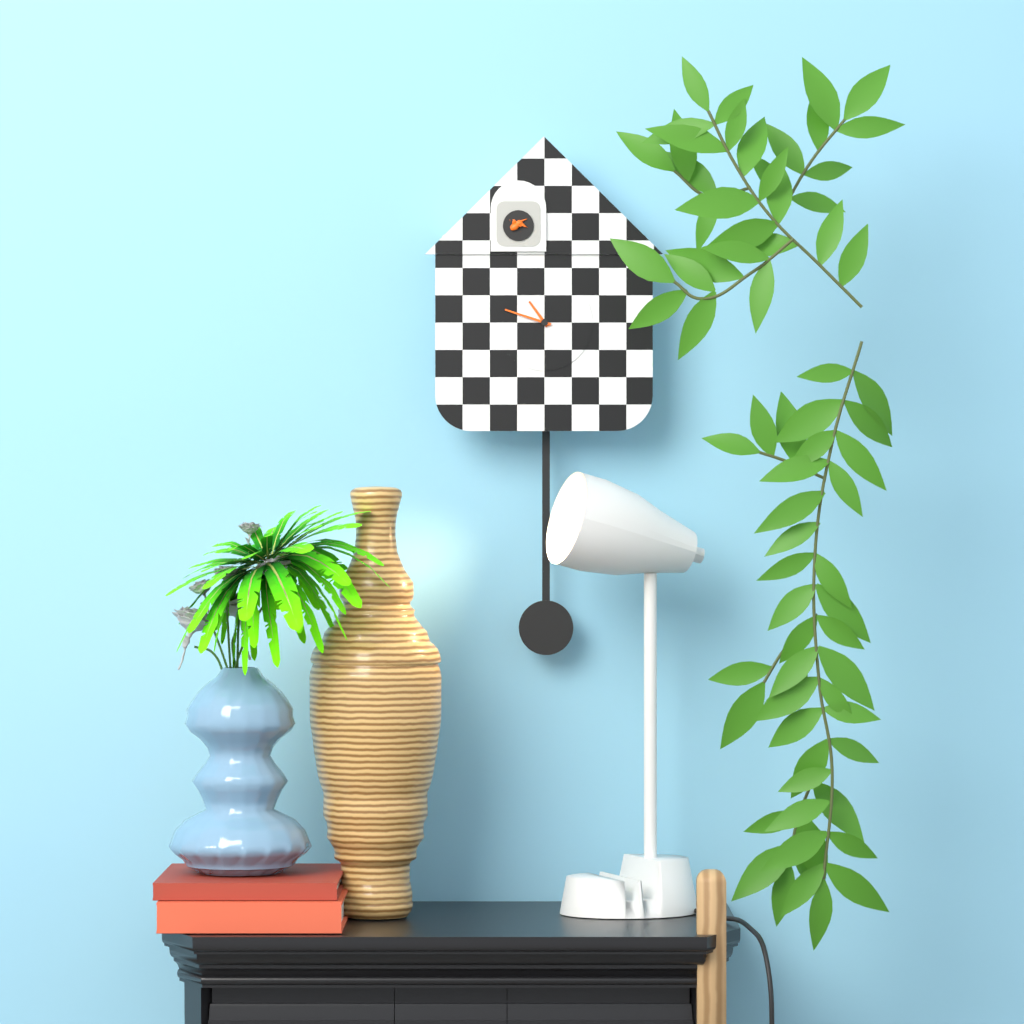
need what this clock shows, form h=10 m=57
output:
h=10 m=48
